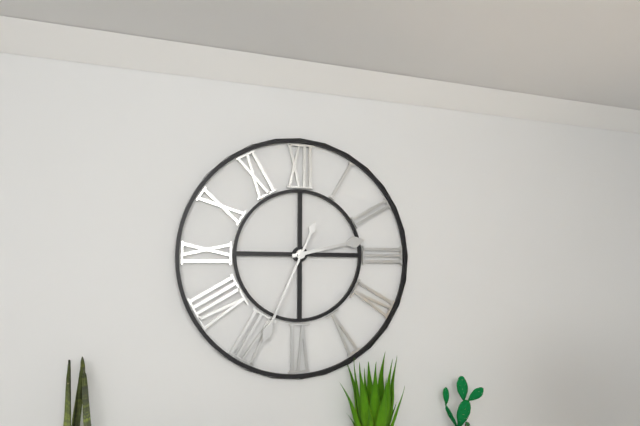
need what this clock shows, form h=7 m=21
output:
h=2 m=34
